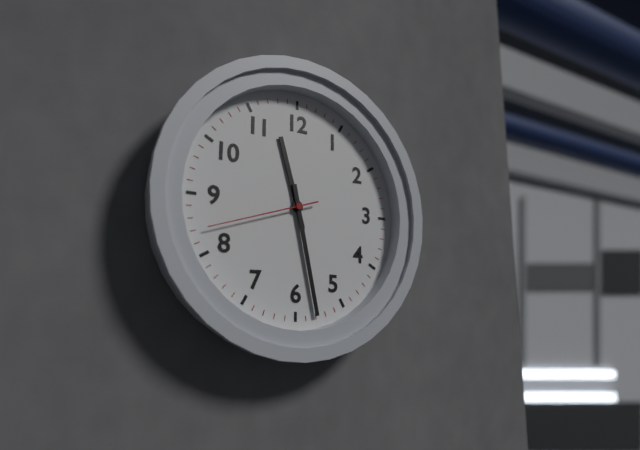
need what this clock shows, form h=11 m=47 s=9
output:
h=11 m=28 s=42
